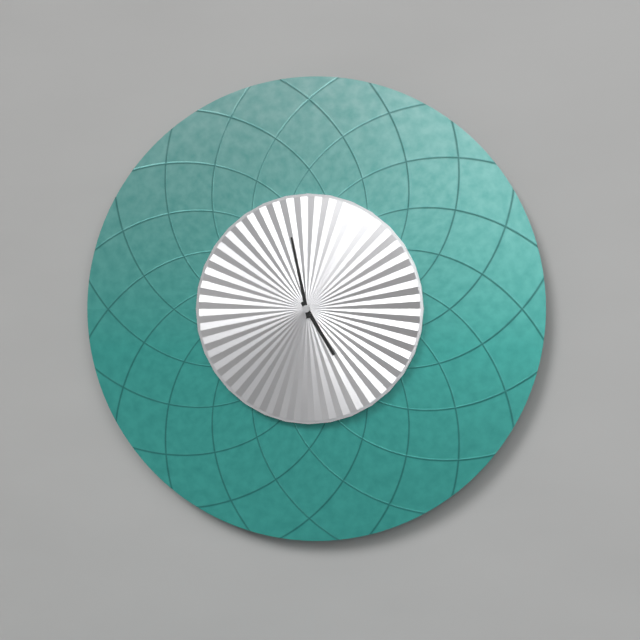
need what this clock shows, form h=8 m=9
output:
h=4 m=58
